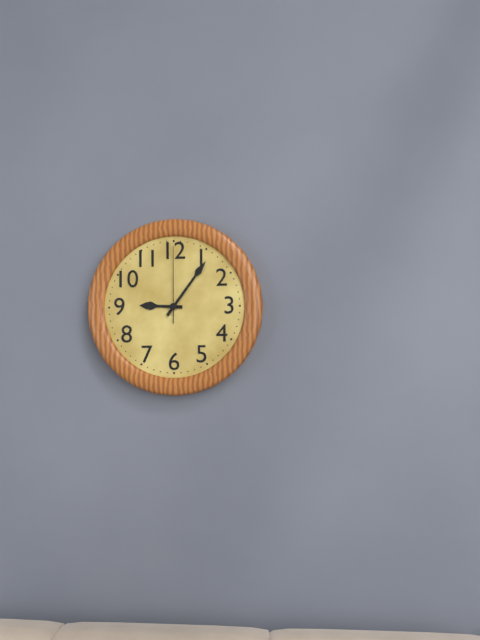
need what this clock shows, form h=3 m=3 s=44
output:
h=9 m=6 s=0
